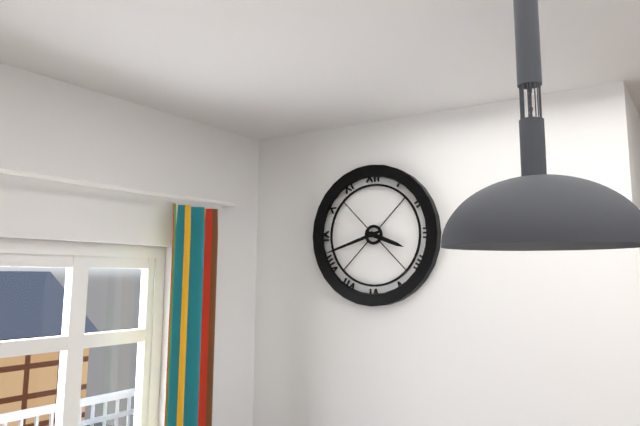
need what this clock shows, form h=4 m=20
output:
h=3 m=42
